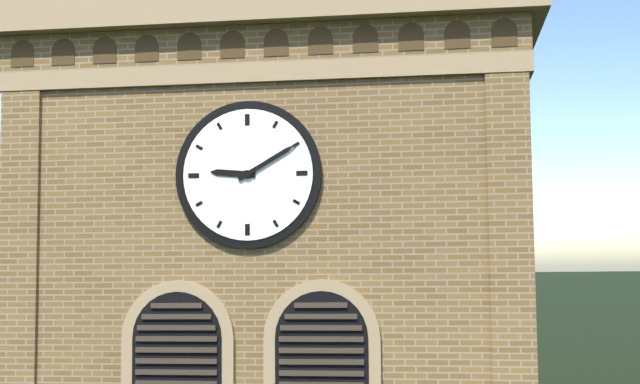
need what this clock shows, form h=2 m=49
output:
h=9 m=10
